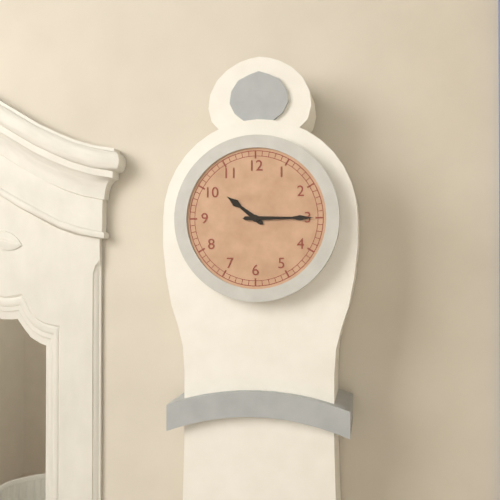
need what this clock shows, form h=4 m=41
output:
h=10 m=15
